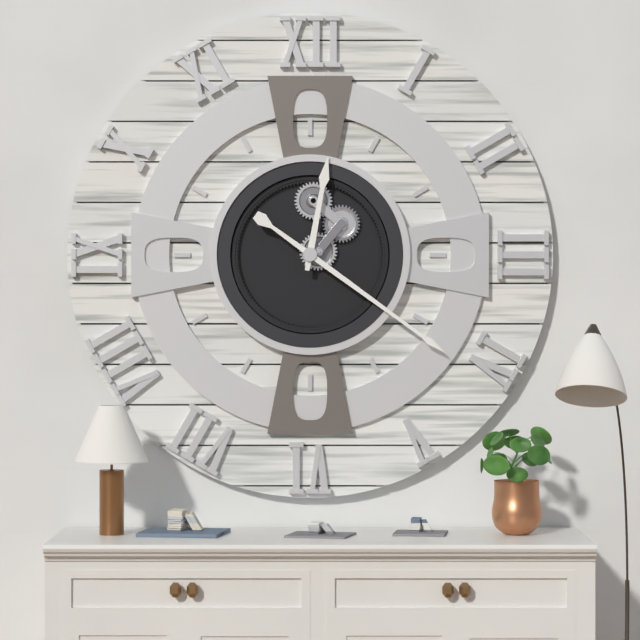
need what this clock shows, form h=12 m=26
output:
h=12 m=21
